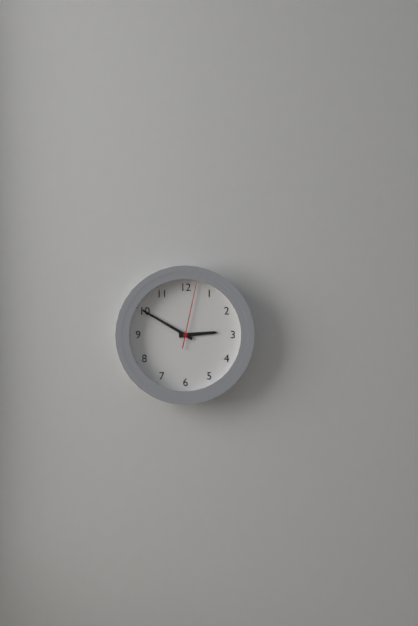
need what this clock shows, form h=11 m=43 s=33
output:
h=2 m=50 s=2
